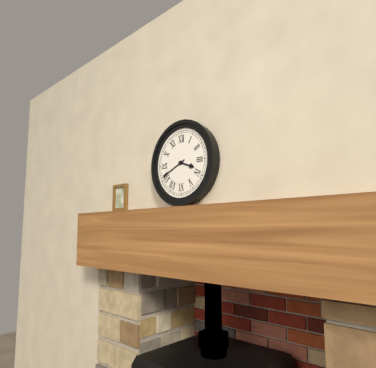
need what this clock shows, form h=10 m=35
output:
h=3 m=41
